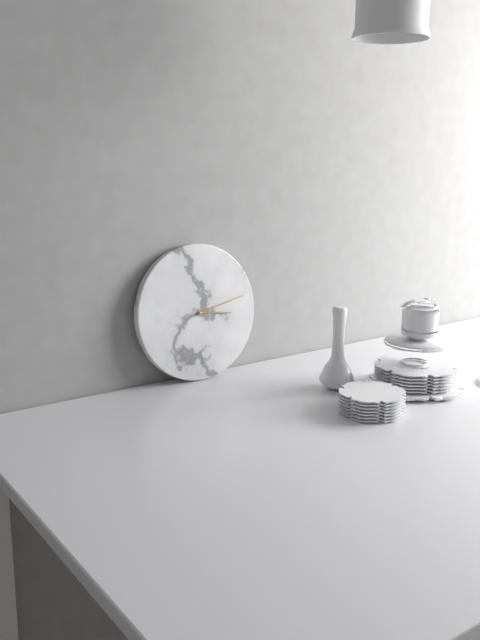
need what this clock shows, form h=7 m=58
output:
h=3 m=13
